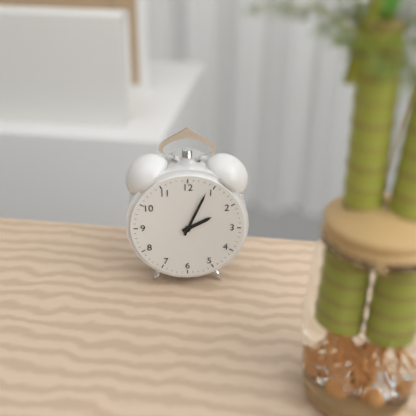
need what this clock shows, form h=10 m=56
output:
h=2 m=4
